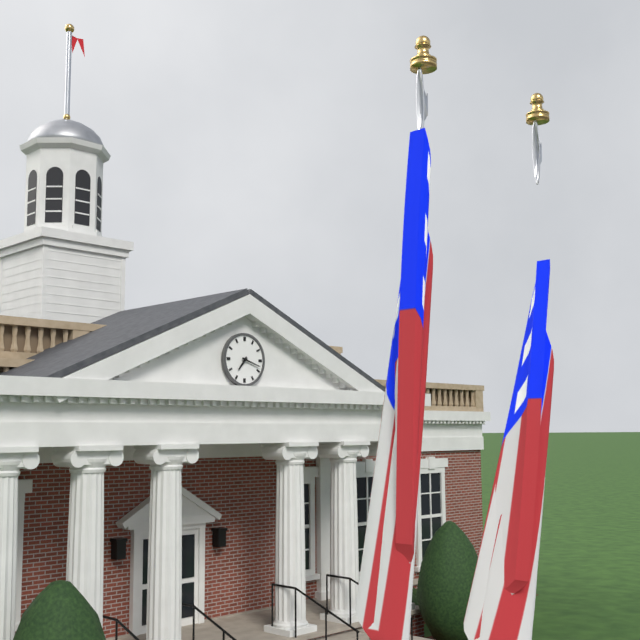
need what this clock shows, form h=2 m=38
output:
h=7 m=18
